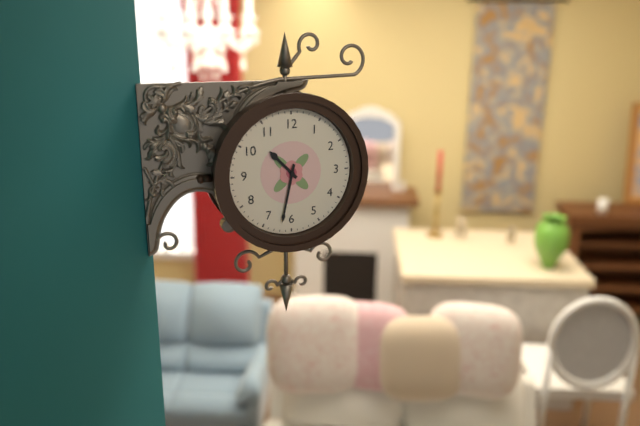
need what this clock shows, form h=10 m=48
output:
h=10 m=32
